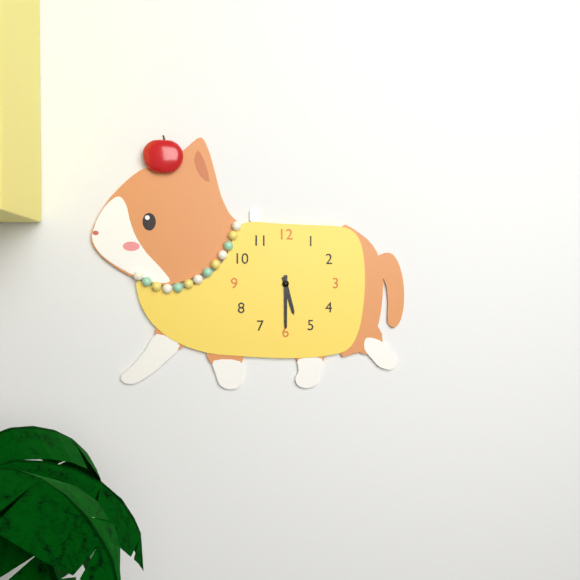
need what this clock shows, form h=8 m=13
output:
h=5 m=30
